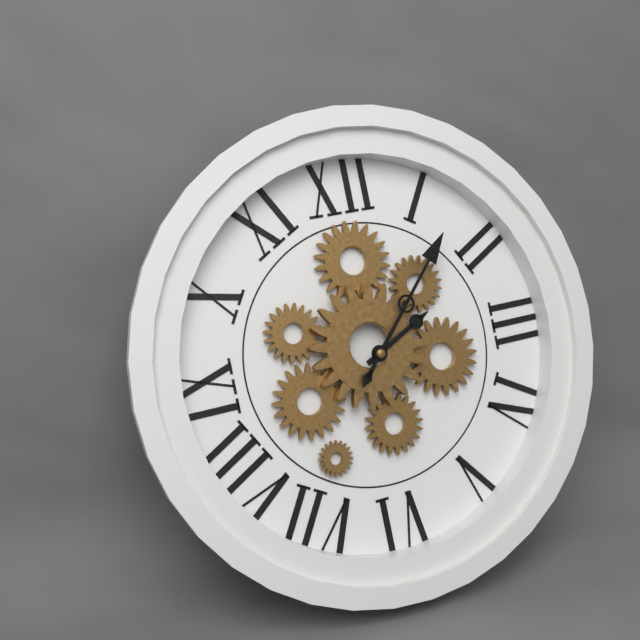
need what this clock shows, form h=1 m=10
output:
h=2 m=7
